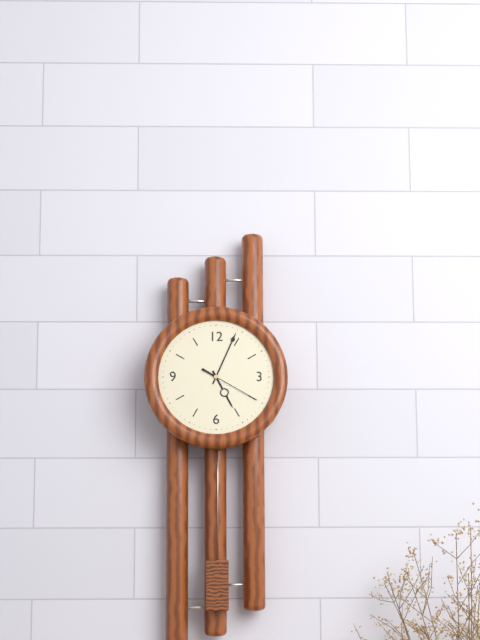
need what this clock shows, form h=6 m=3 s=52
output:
h=5 m=4 s=20
